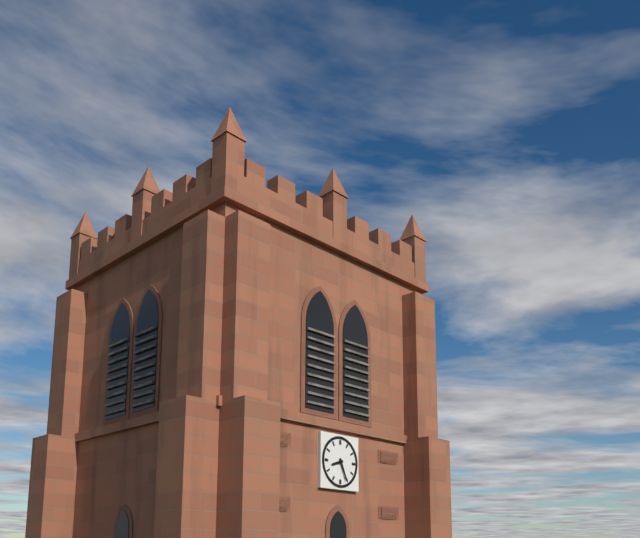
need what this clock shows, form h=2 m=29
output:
h=8 m=26
